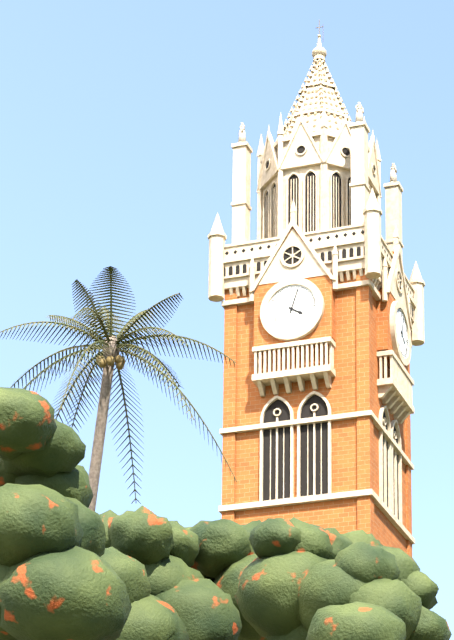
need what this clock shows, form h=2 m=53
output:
h=4 m=3
